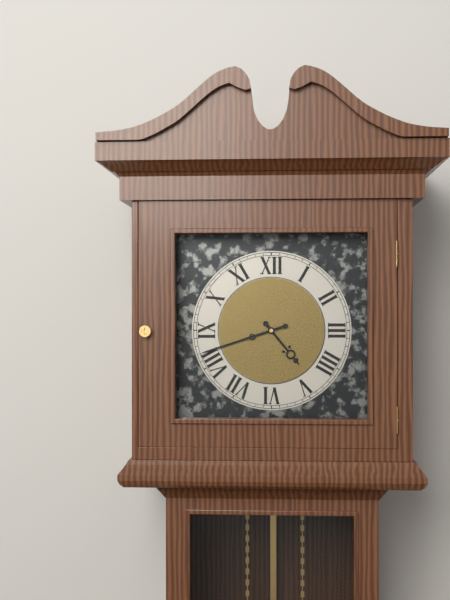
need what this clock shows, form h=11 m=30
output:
h=4 m=42
